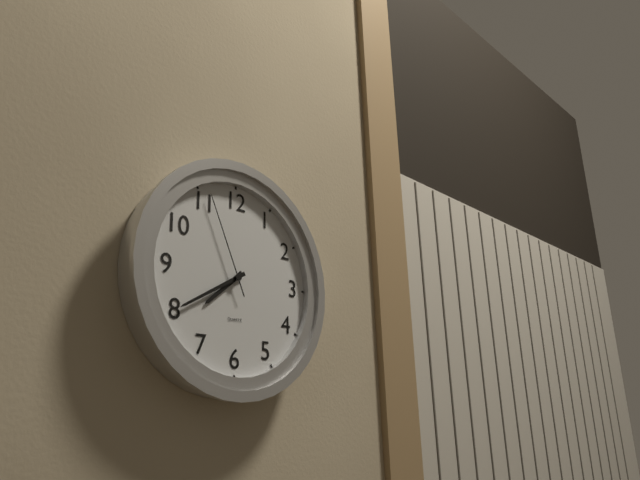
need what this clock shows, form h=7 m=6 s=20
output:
h=7 m=40 s=56
